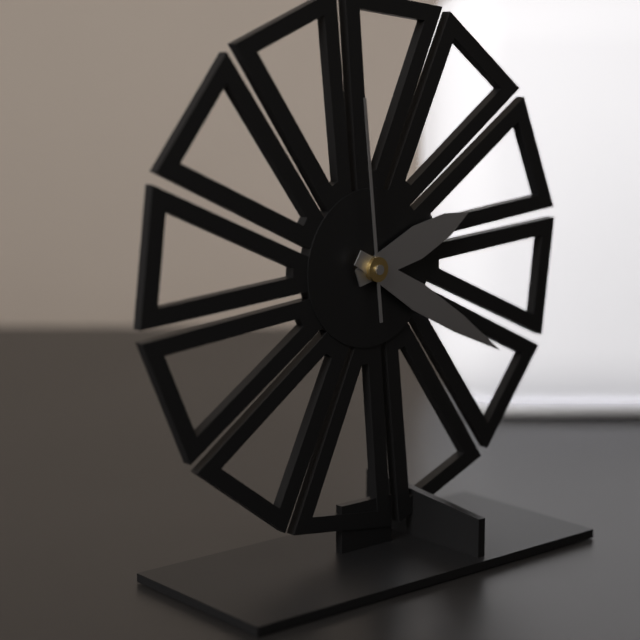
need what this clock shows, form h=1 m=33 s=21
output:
h=2 m=20 s=59
